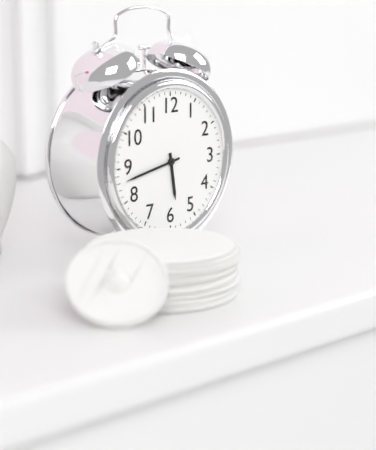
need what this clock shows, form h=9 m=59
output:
h=5 m=43
